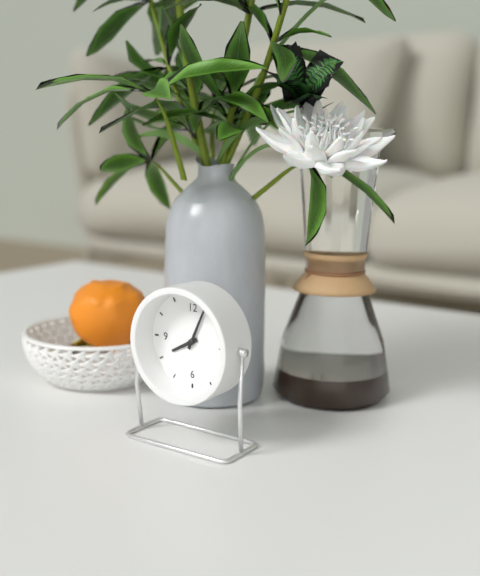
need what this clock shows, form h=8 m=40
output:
h=8 m=4
